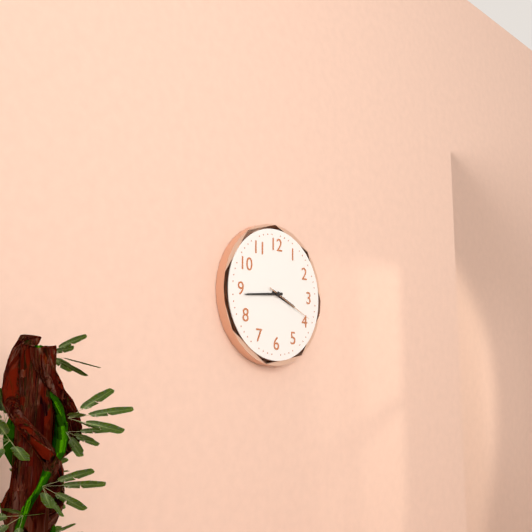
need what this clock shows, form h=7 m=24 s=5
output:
h=3 m=44 s=19
